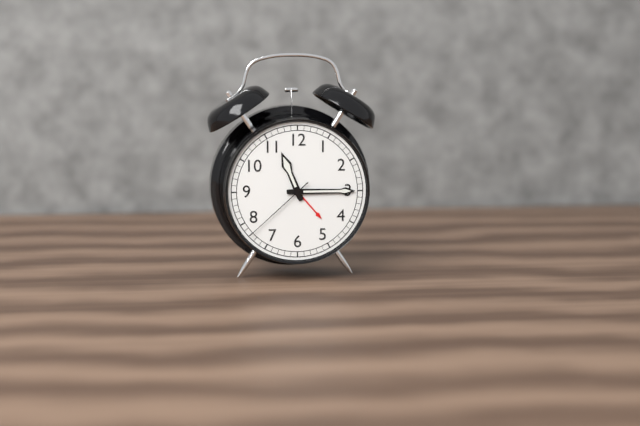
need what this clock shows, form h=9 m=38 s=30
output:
h=11 m=15 s=38
